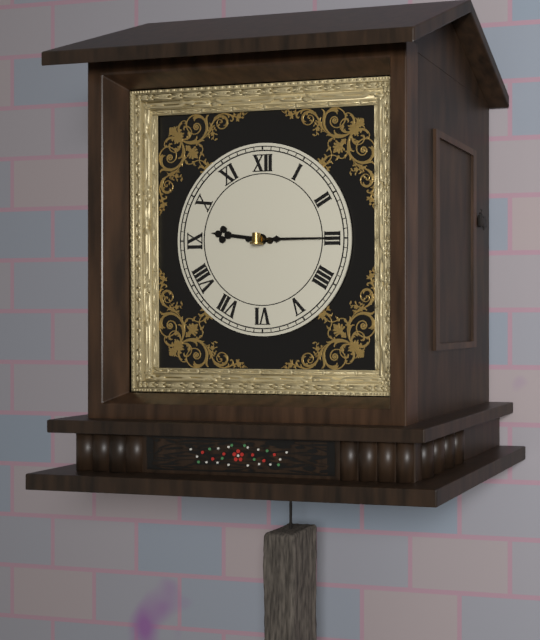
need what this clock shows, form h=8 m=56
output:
h=9 m=15
